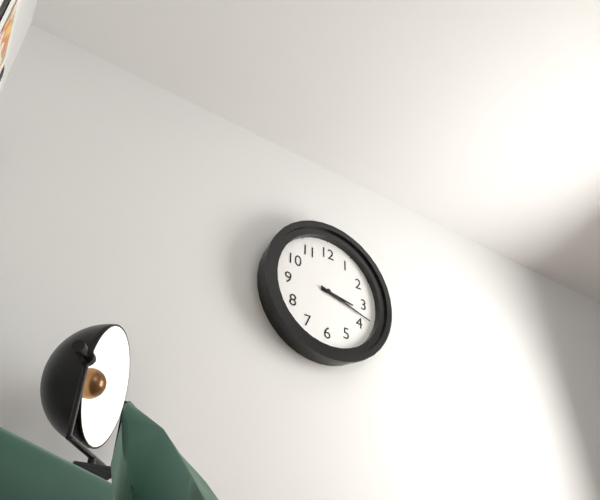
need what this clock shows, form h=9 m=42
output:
h=3 m=18
